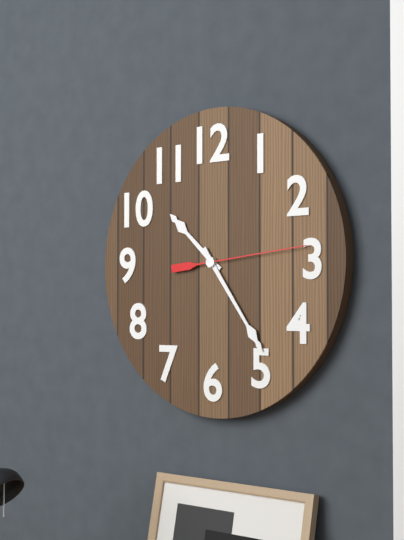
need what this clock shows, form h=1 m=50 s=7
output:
h=10 m=24 s=14
